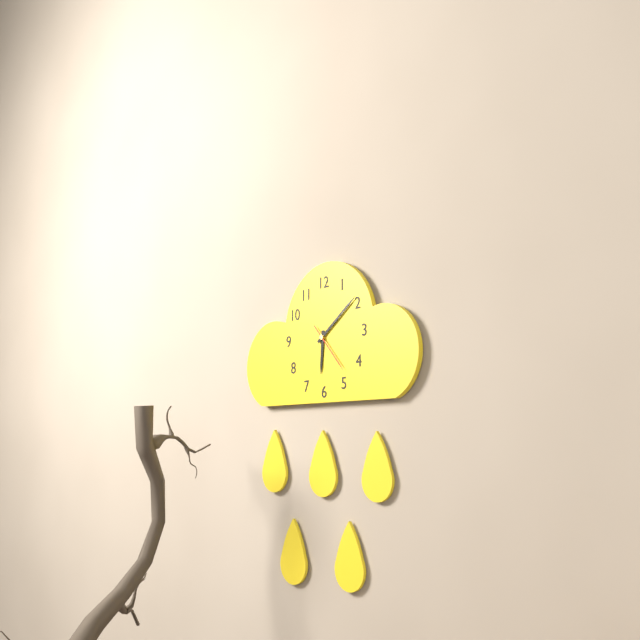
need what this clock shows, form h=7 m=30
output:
h=6 m=9
